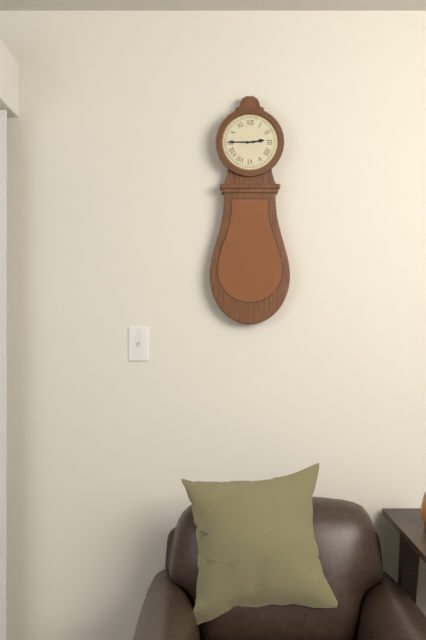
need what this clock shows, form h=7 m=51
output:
h=2 m=45
